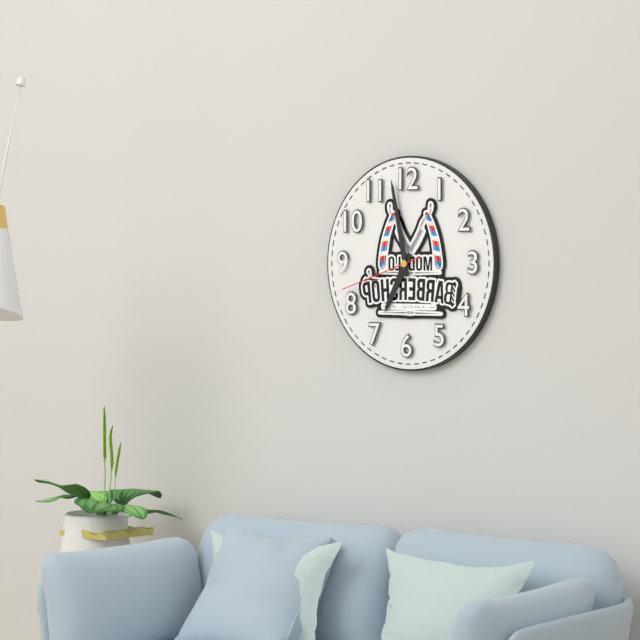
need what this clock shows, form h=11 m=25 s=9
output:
h=6 m=58 s=42
